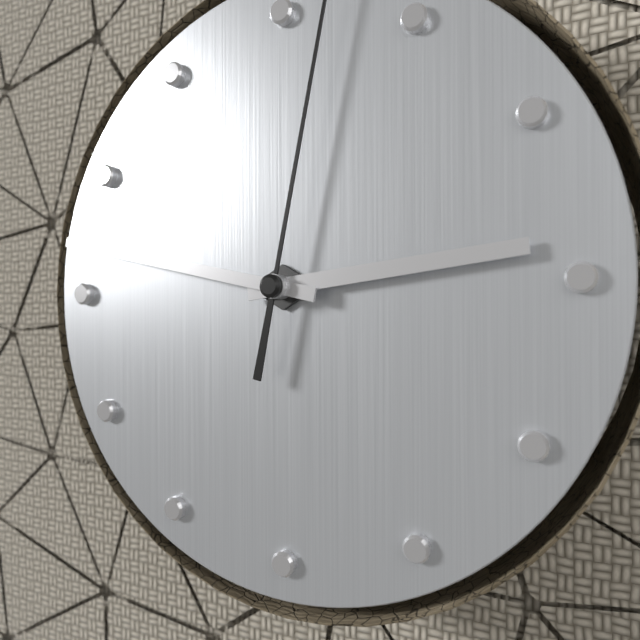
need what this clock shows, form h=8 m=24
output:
h=2 m=47
